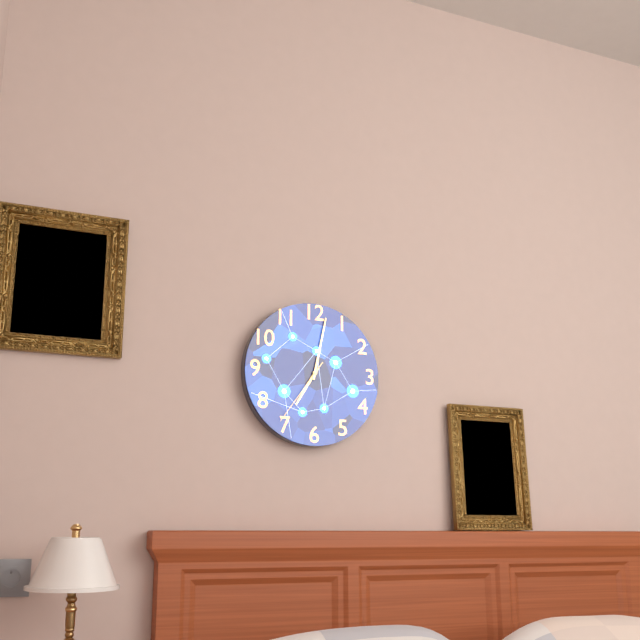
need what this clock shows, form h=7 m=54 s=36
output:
h=7 m=2 s=36
